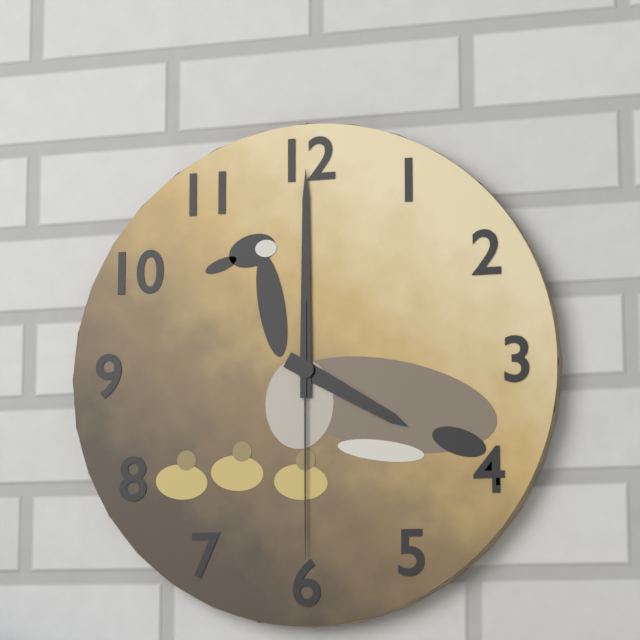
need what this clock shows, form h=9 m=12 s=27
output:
h=4 m=0 s=30
